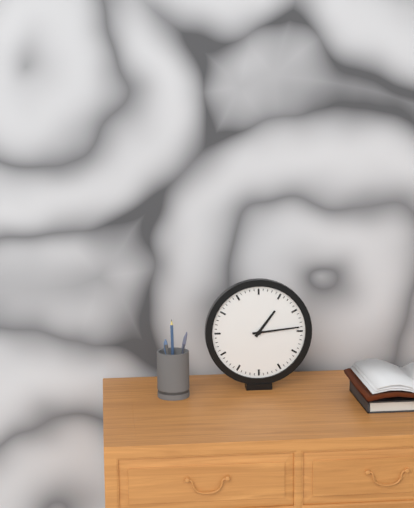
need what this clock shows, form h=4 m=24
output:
h=1 m=14
